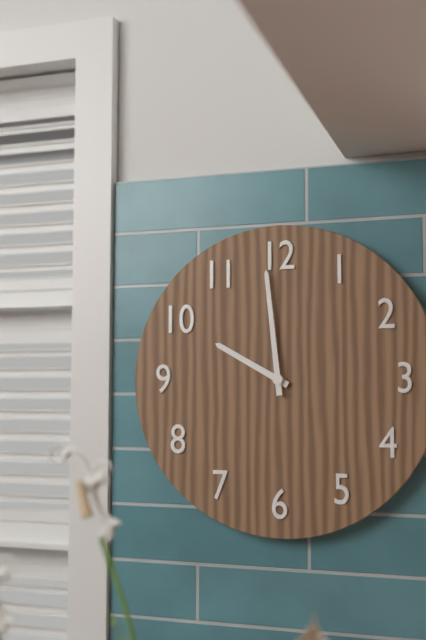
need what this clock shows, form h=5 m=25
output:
h=9 m=59
